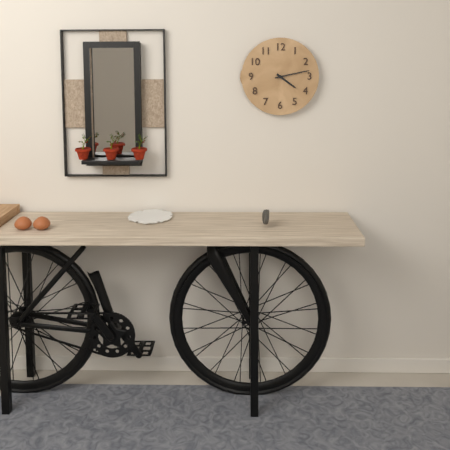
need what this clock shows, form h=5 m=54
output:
h=4 m=13
